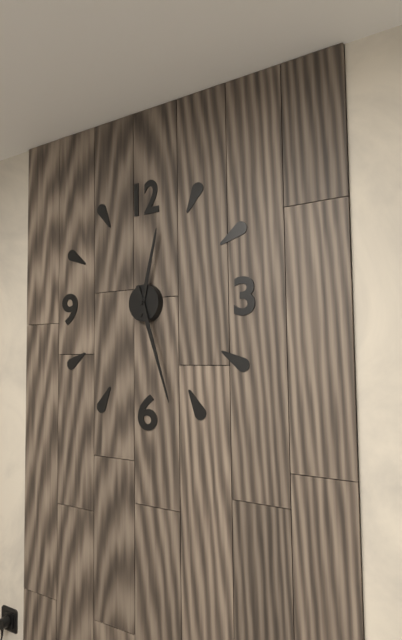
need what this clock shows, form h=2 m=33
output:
h=12 m=27
